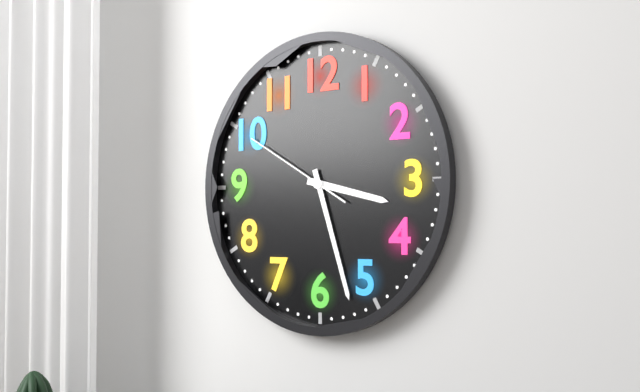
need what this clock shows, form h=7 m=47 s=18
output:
h=3 m=27 s=50
